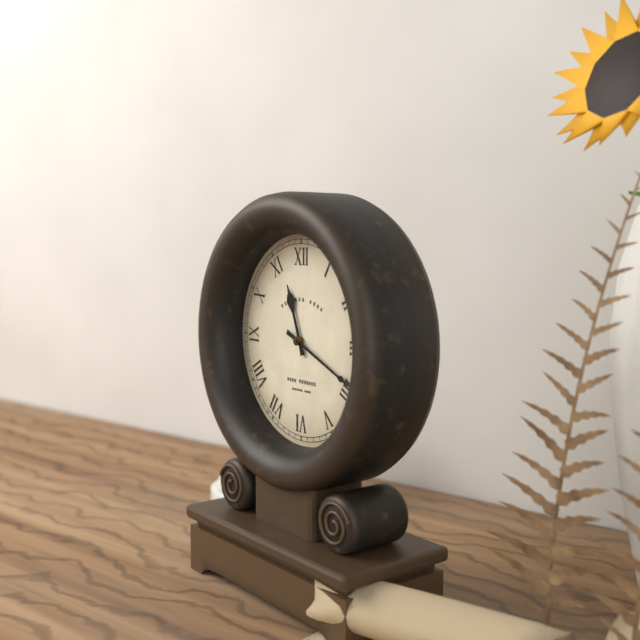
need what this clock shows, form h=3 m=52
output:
h=11 m=19
